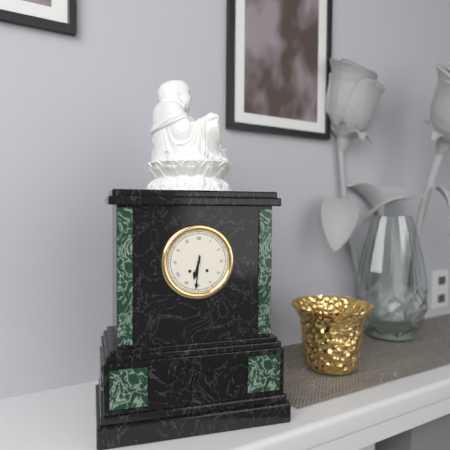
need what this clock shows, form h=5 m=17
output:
h=6 m=31
